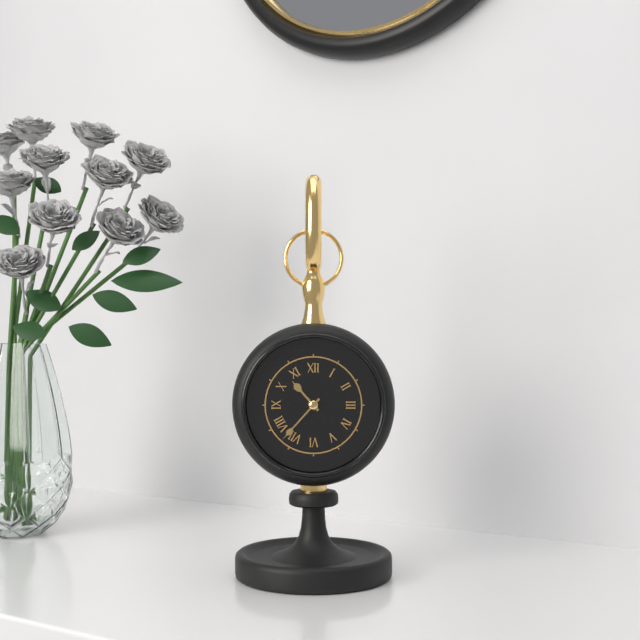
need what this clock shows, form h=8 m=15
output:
h=10 m=37
